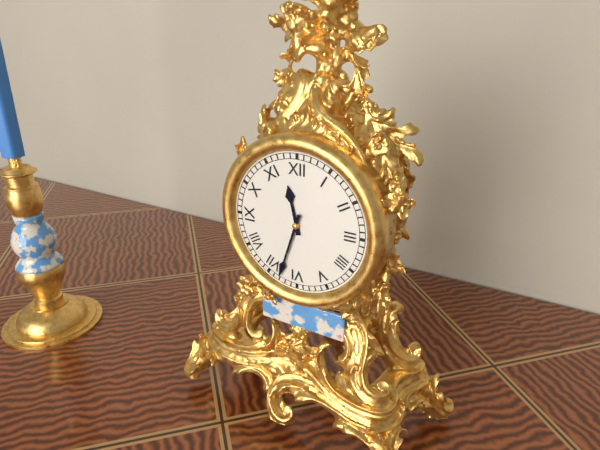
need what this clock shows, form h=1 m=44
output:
h=11 m=33
